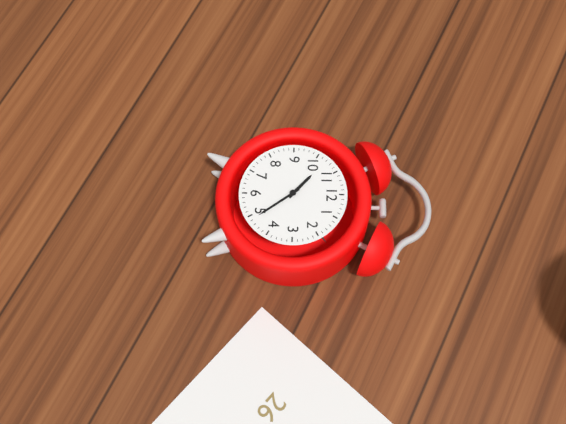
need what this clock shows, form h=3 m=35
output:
h=10 m=24
